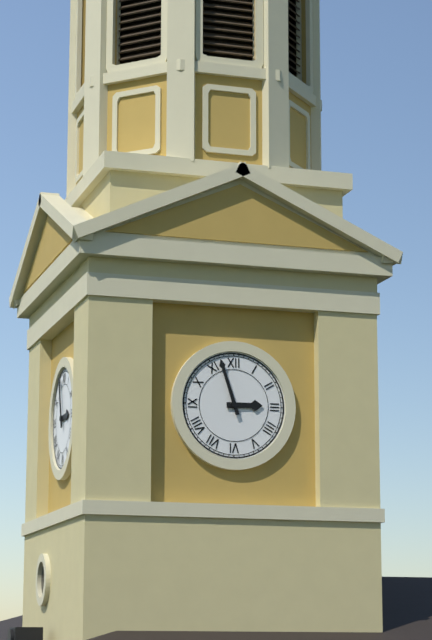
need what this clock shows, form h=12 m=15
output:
h=2 m=57
